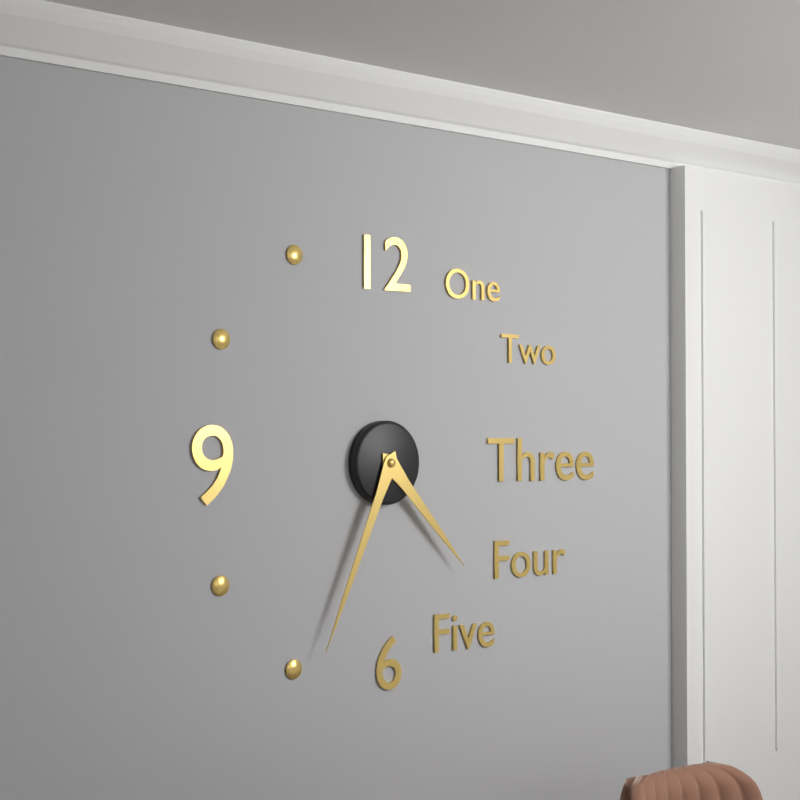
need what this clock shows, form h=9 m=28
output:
h=4 m=34
